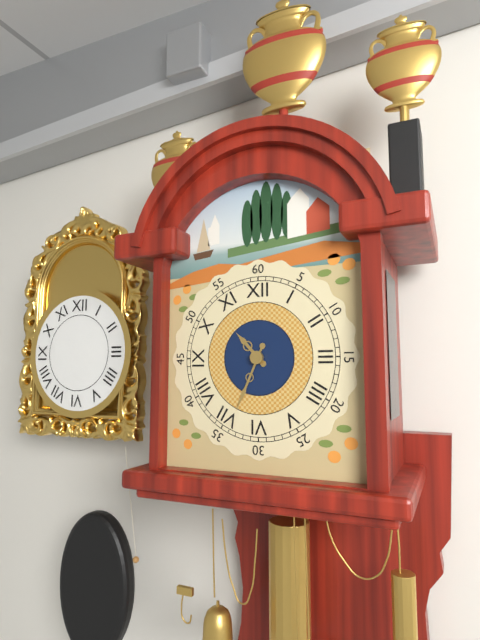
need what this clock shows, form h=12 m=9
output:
h=10 m=34
